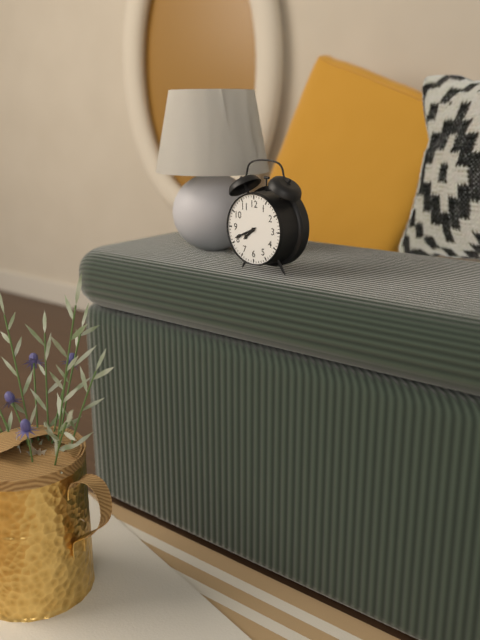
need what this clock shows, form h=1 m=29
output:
h=7 m=41
